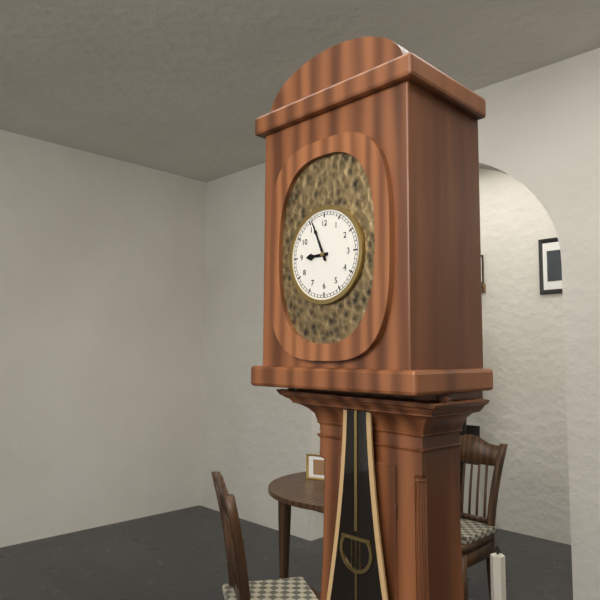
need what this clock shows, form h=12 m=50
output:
h=8 m=56
